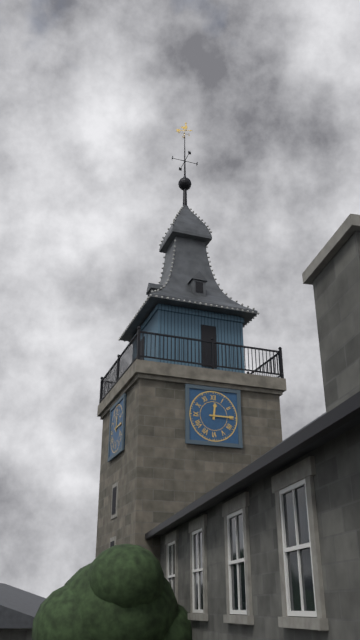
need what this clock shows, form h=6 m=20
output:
h=12 m=15
